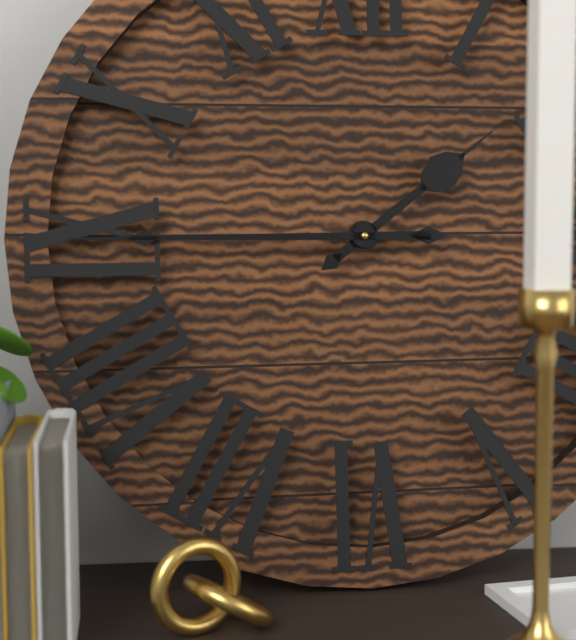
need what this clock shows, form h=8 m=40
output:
h=1 m=45
